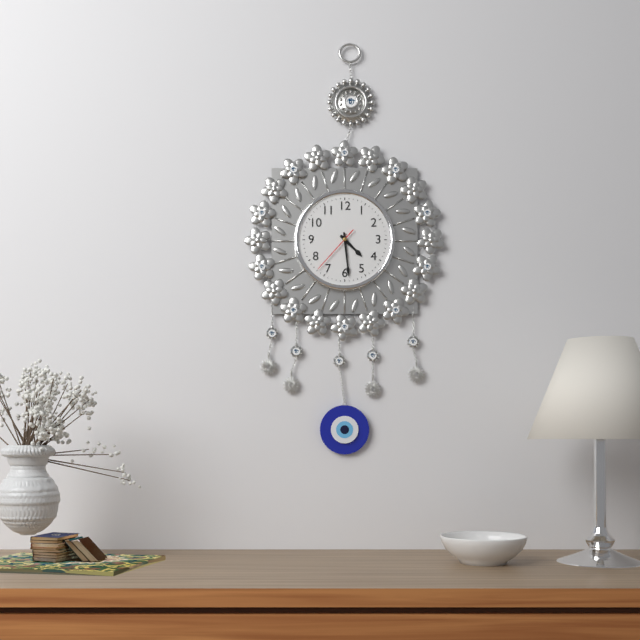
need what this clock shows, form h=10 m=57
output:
h=4 m=29
